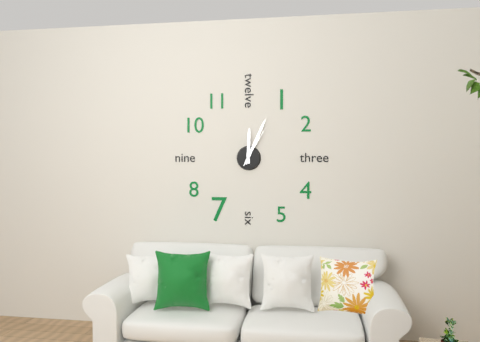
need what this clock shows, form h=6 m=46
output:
h=12 m=4
